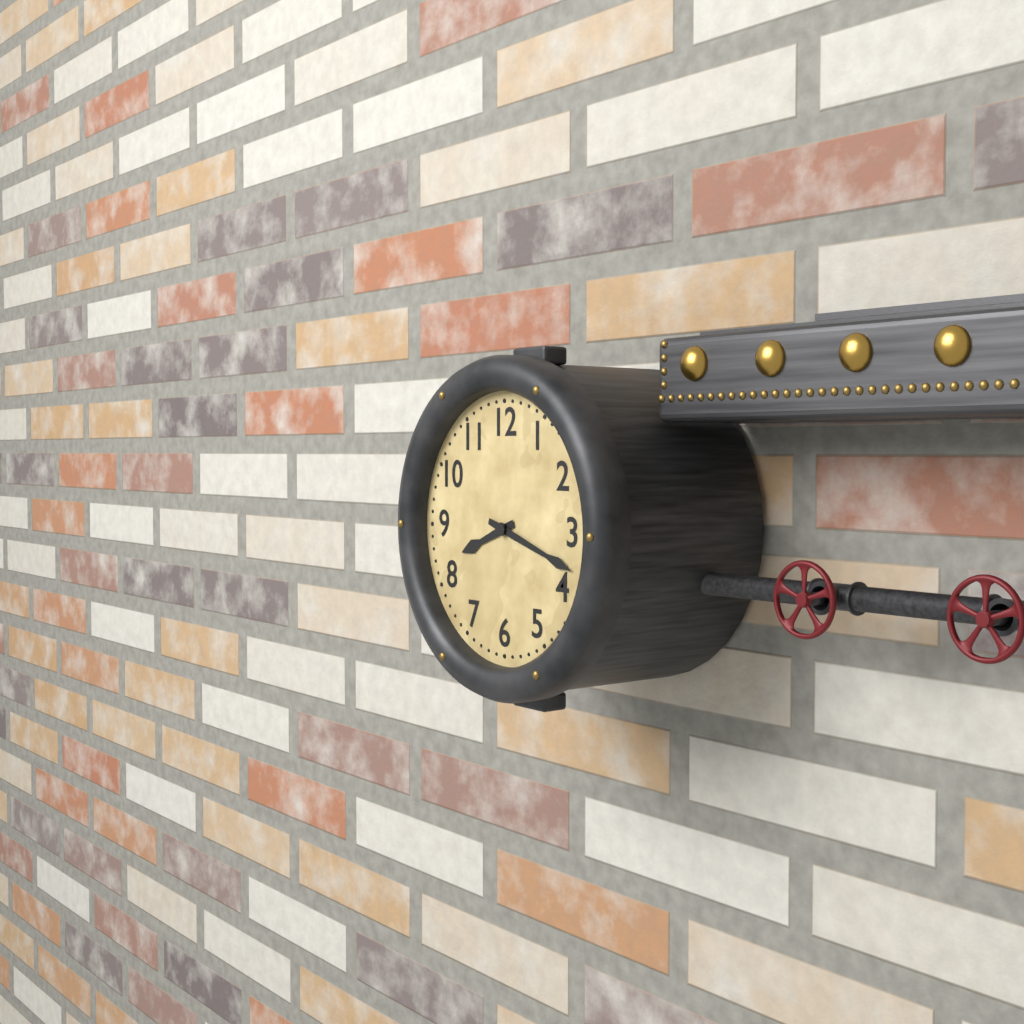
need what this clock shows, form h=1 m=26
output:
h=8 m=18
